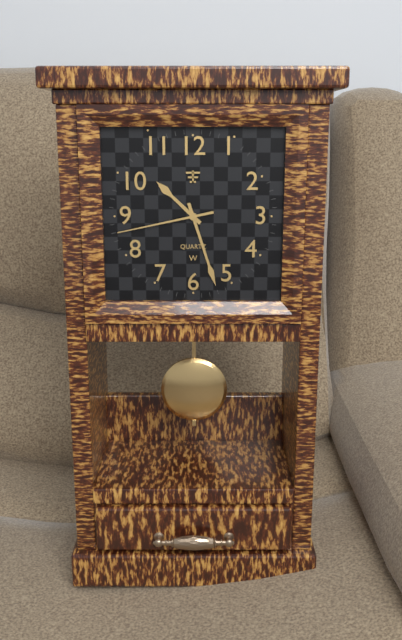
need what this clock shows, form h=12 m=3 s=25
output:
h=10 m=27 s=43
